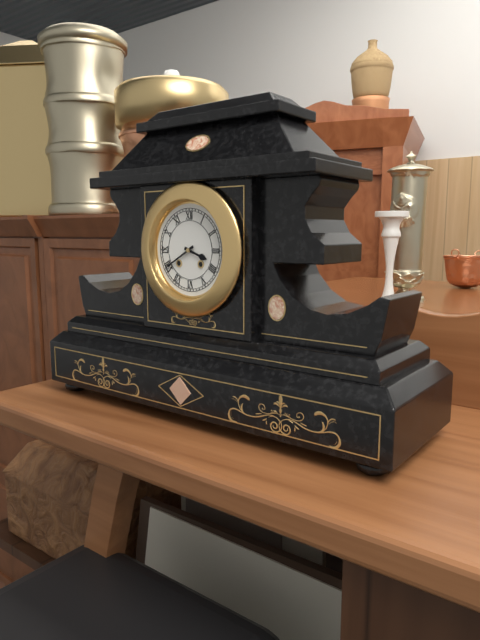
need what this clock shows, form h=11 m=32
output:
h=3 m=40
